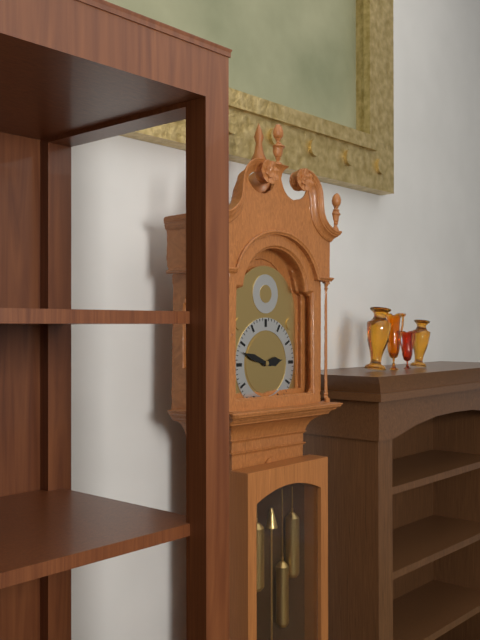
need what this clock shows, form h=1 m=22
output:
h=2 m=48
